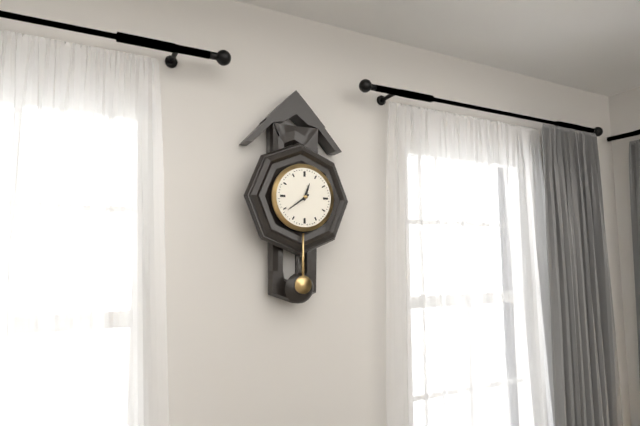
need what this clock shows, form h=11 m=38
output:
h=12 m=39
